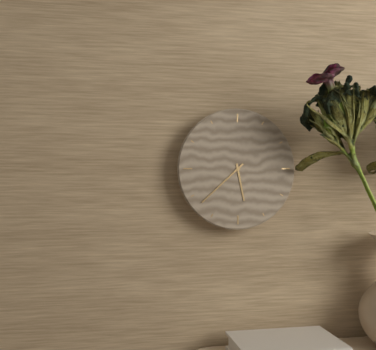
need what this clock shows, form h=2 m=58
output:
h=5 m=38
